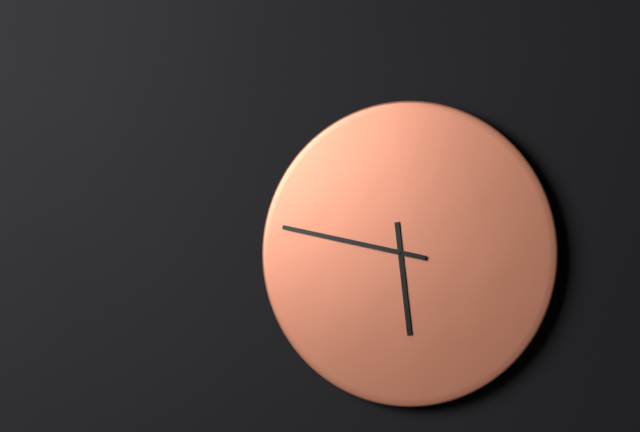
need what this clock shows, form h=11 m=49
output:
h=5 m=47
